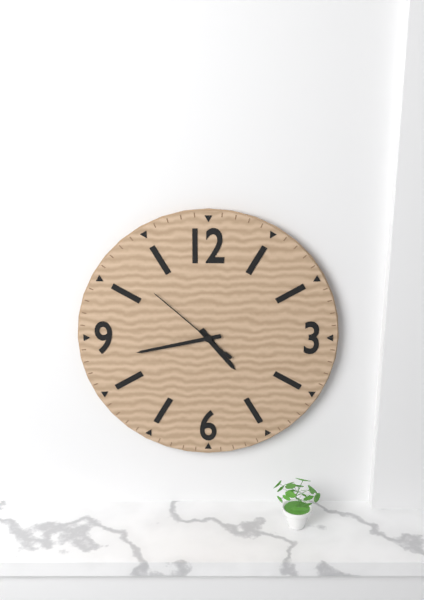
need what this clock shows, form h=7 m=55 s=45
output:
h=4 m=43 s=52
